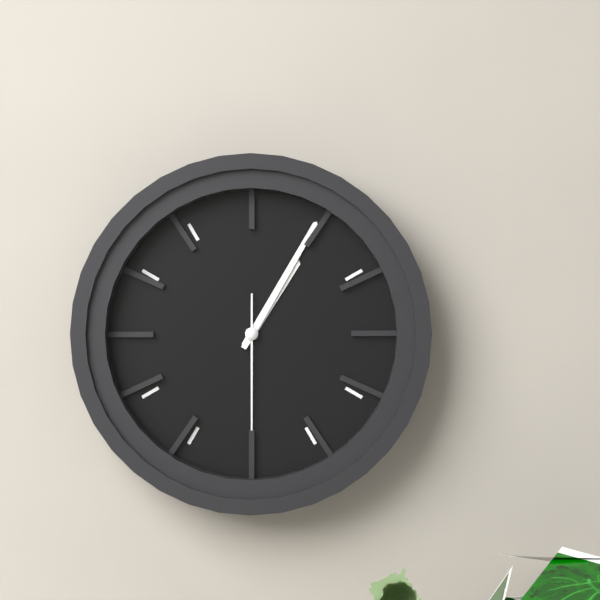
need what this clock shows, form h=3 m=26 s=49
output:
h=1 m=5 s=30
